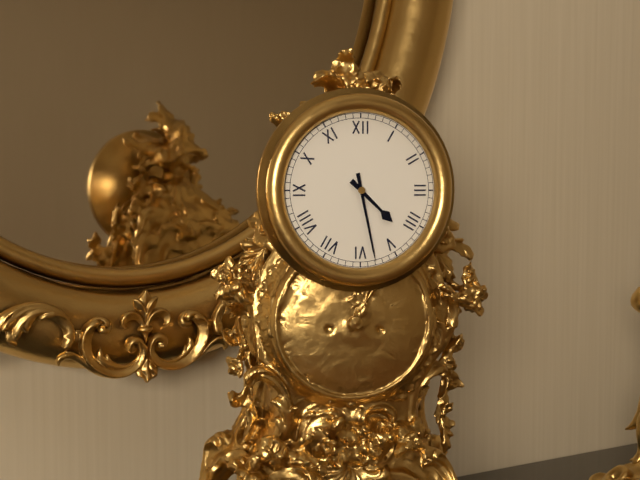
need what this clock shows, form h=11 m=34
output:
h=4 m=28
